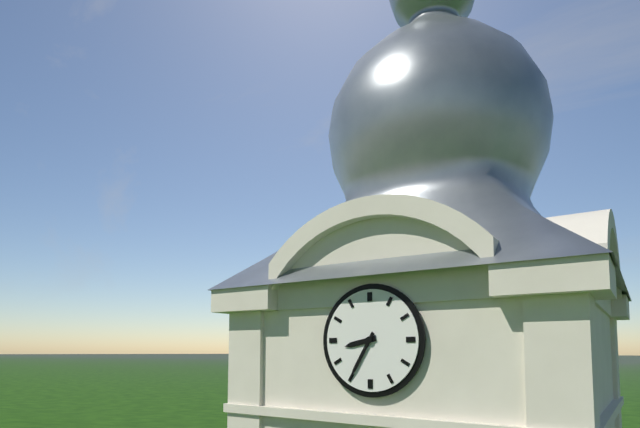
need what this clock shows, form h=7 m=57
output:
h=8 m=35
